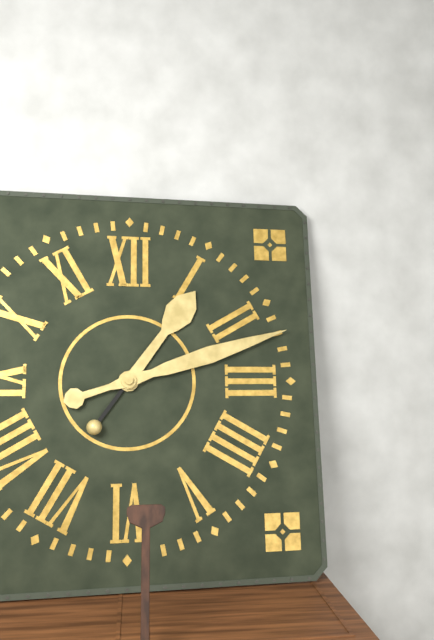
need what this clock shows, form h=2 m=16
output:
h=1 m=12
